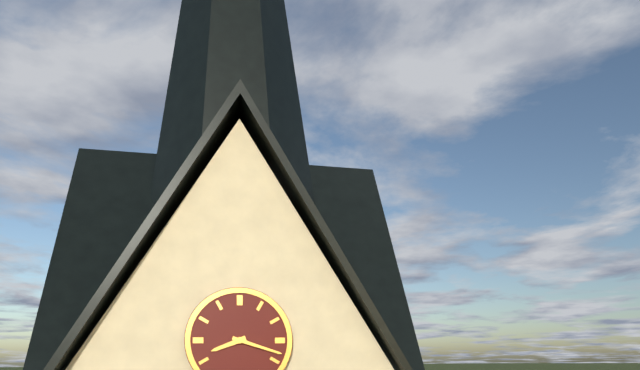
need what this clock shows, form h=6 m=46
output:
h=8 m=18
